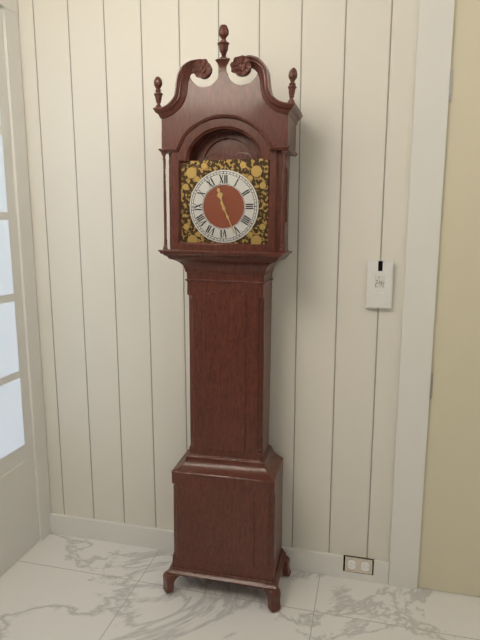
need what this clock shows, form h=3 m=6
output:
h=11 m=26
